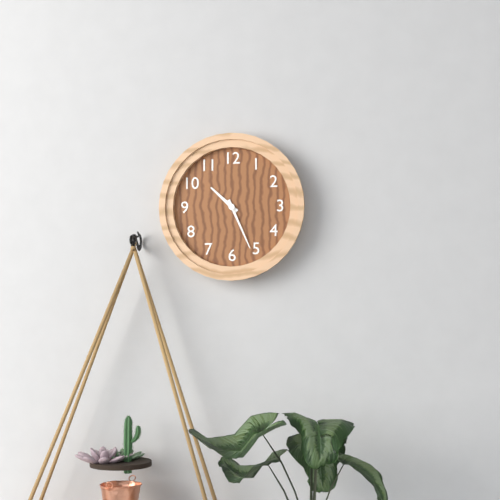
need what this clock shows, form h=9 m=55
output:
h=10 m=26
